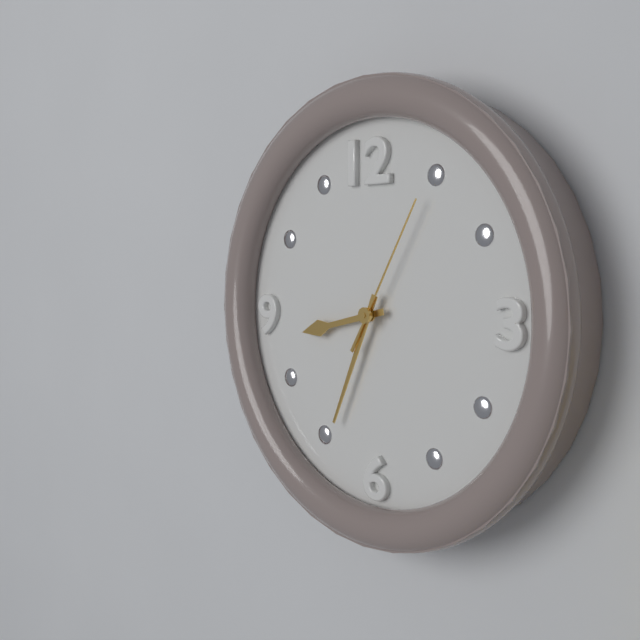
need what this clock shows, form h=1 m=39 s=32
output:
h=8 m=34 s=5
